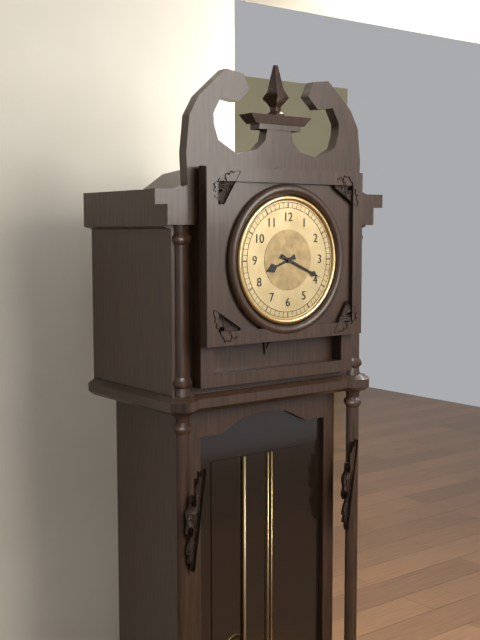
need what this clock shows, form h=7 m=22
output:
h=8 m=19
